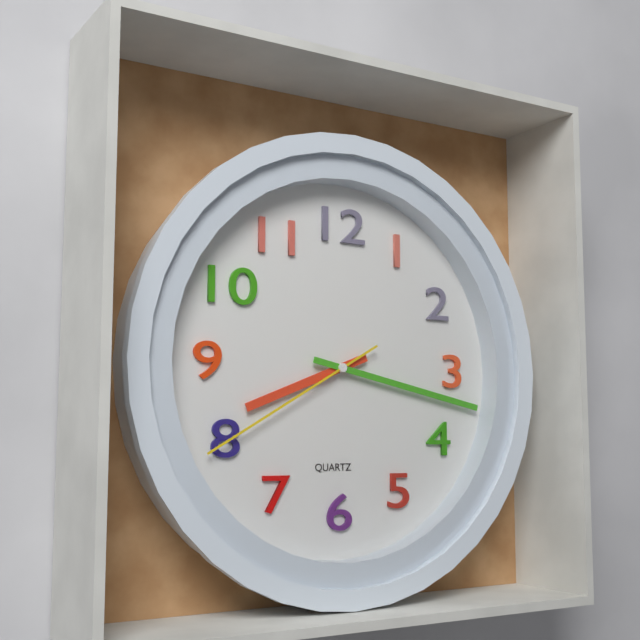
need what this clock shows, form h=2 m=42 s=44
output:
h=8 m=17 s=40
